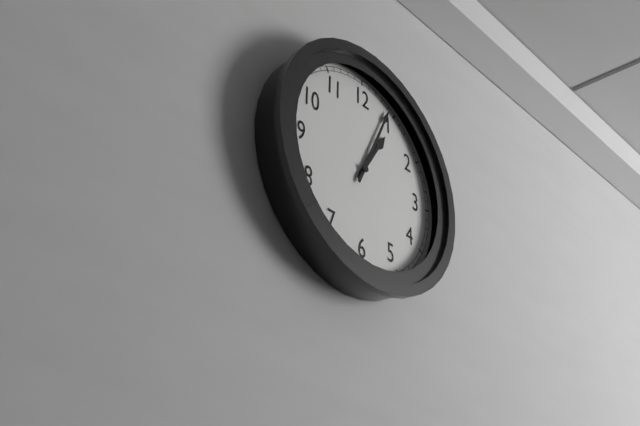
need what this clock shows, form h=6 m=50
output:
h=1 m=4
